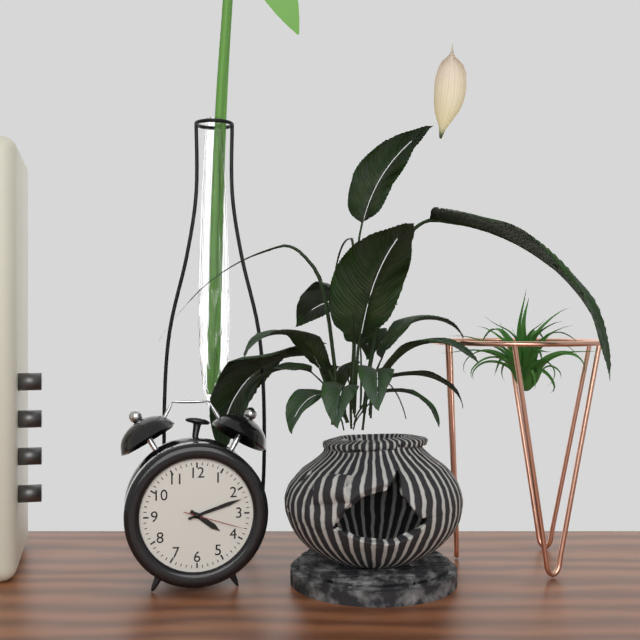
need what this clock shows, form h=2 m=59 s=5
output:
h=4 m=12 s=18
